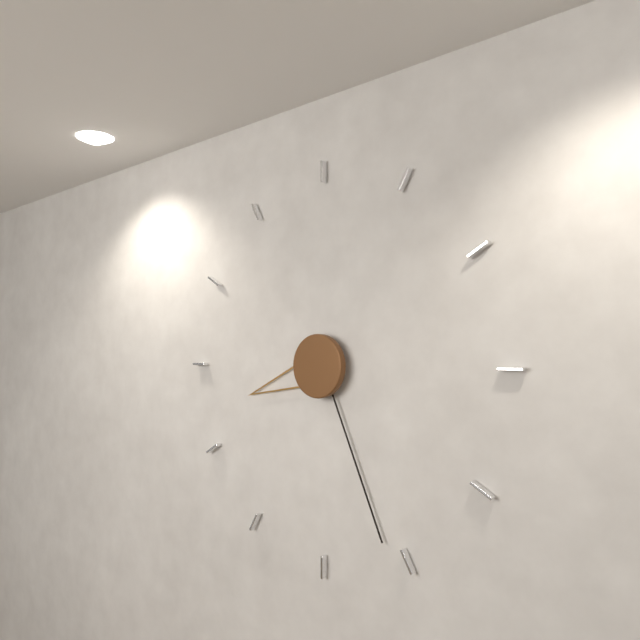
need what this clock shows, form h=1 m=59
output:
h=8 m=26
